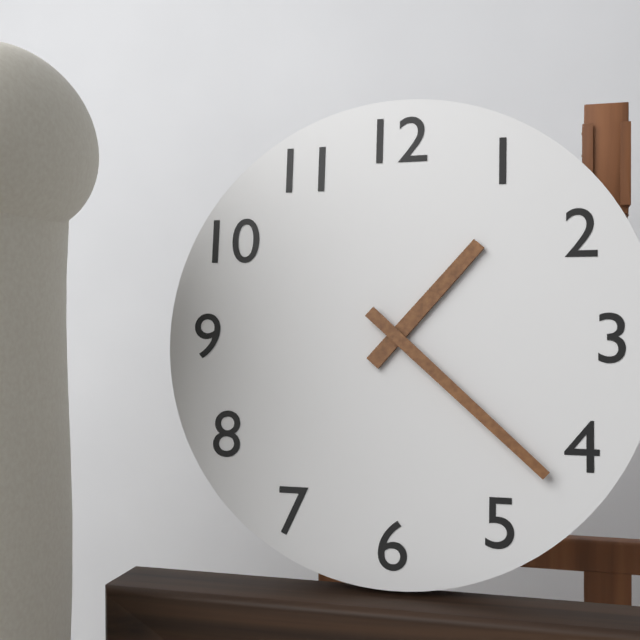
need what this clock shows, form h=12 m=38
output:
h=1 m=22
